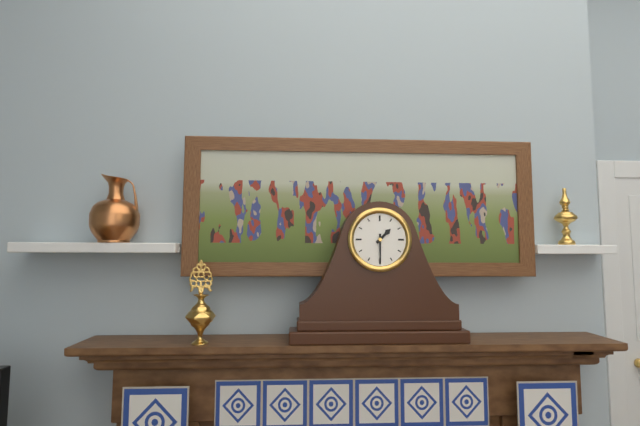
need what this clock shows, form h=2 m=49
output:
h=1 m=30
